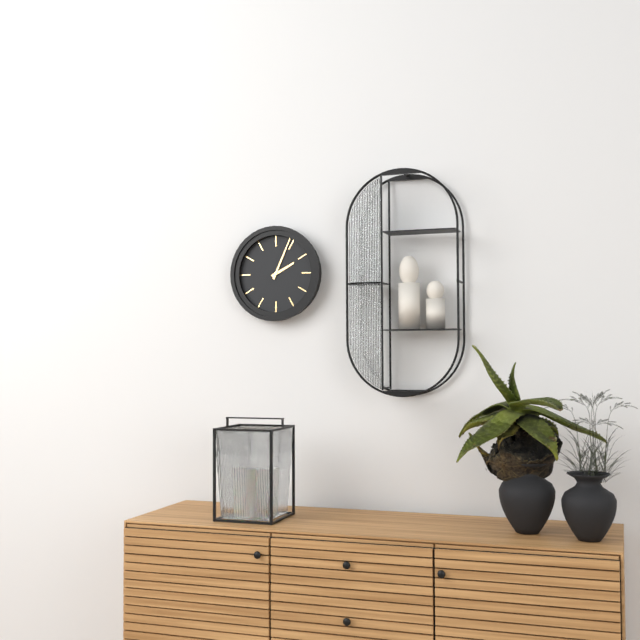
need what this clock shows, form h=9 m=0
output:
h=2 m=4
